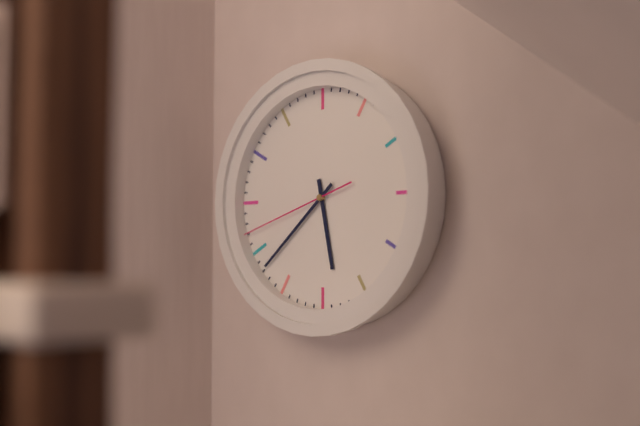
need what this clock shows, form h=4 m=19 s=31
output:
h=5 m=38 s=42
